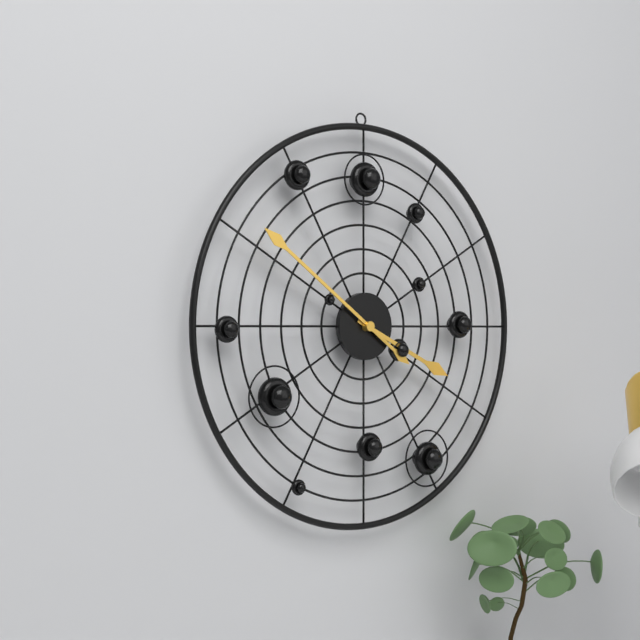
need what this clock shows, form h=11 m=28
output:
h=3 m=51
